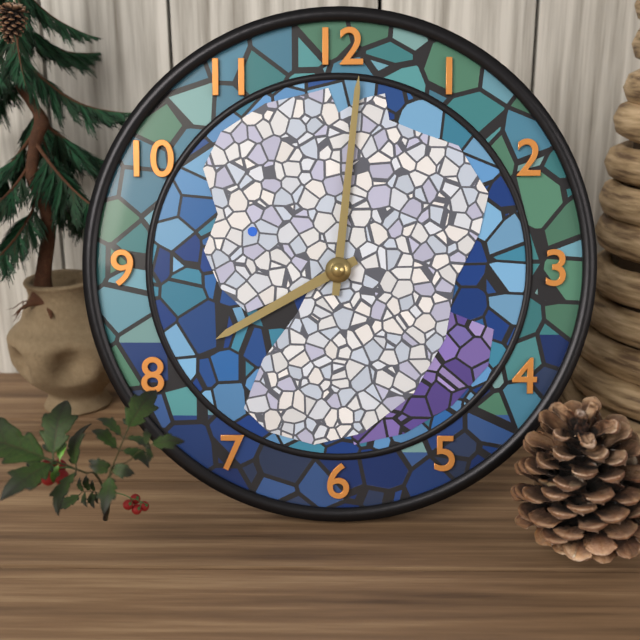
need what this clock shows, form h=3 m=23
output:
h=8 m=1
